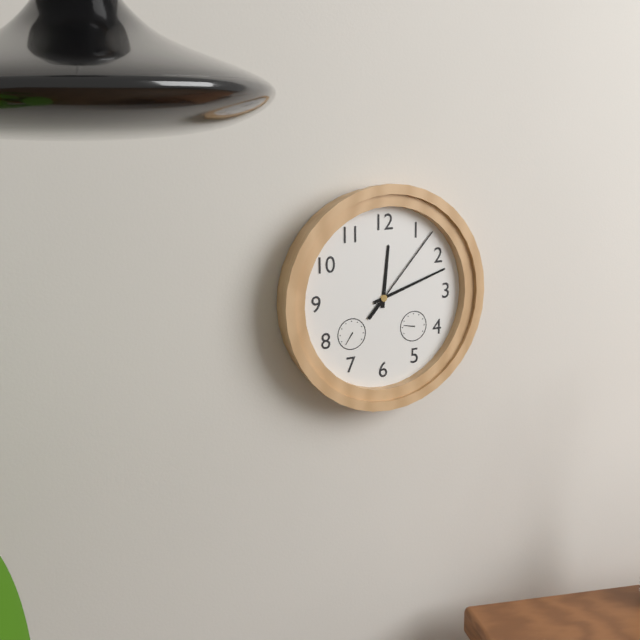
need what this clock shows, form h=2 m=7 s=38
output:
h=12 m=12 s=7
